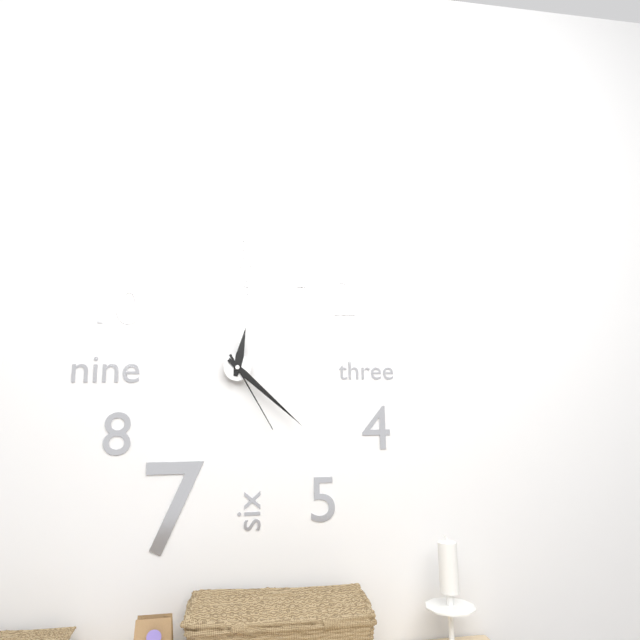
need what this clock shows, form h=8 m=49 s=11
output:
h=12 m=22 s=25
